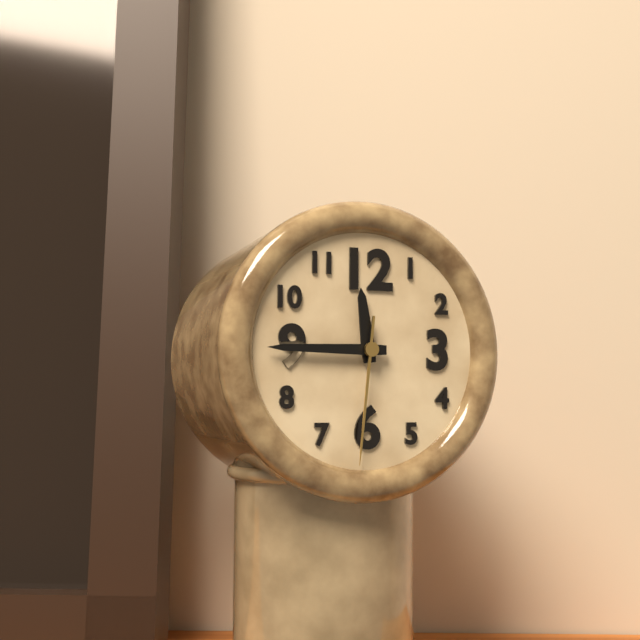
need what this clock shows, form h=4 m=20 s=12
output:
h=11 m=45 s=31
